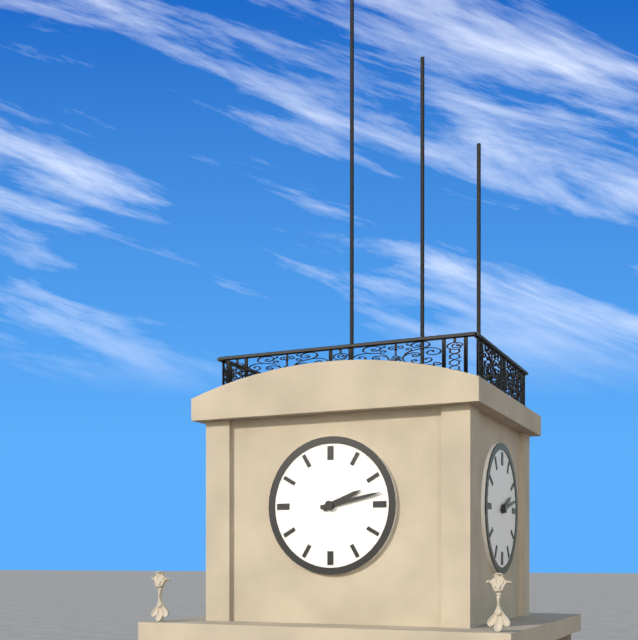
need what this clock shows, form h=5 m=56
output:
h=2 m=13
